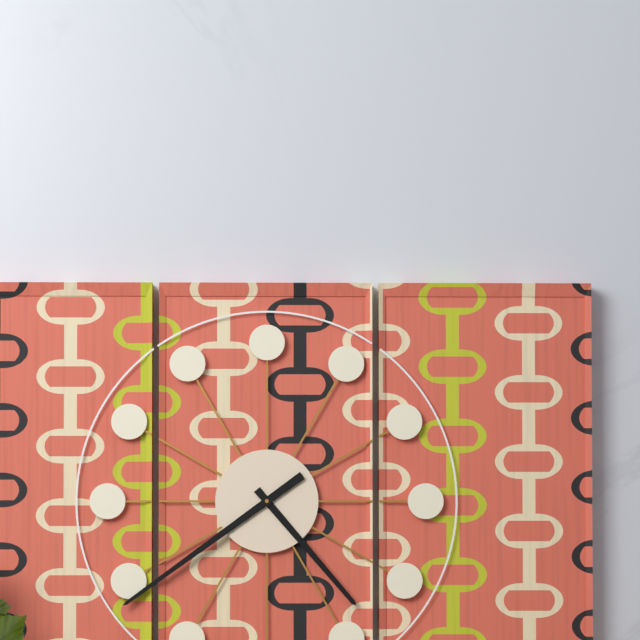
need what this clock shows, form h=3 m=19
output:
h=4 m=39
